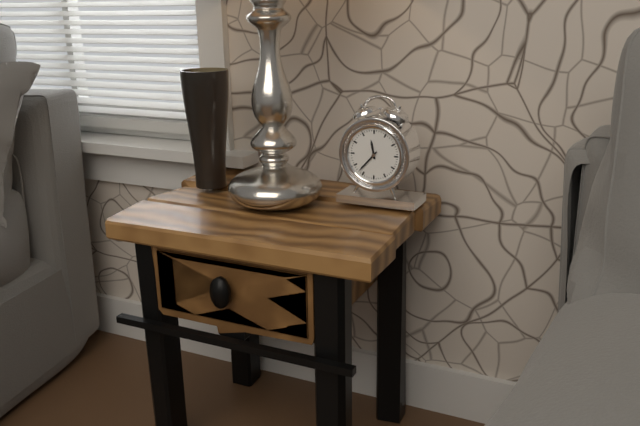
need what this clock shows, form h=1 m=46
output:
h=11 m=37
